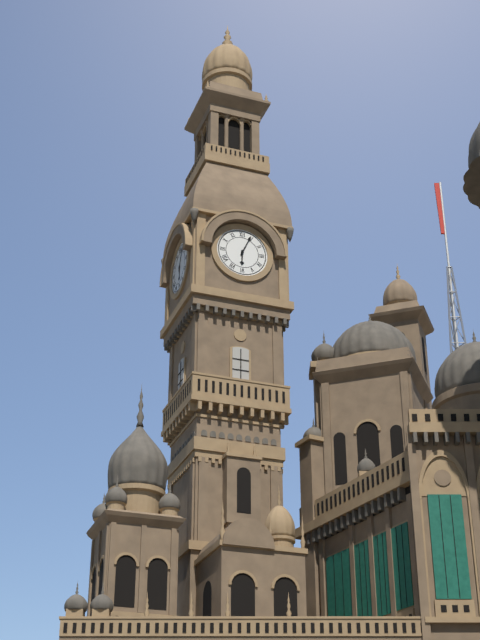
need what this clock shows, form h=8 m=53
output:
h=6 m=4
